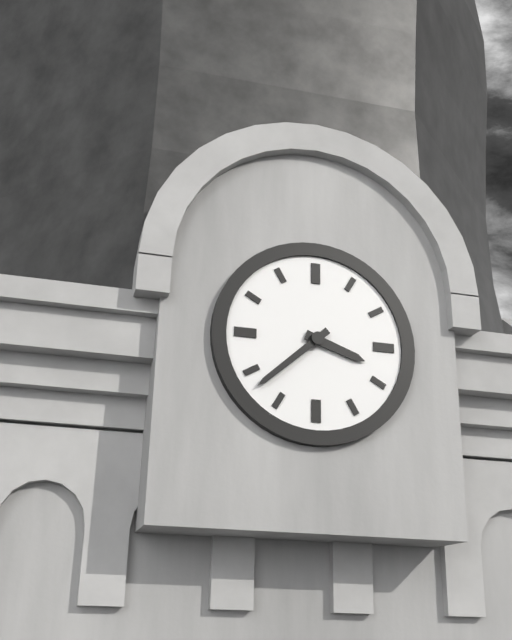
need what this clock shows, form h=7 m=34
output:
h=3 m=38
